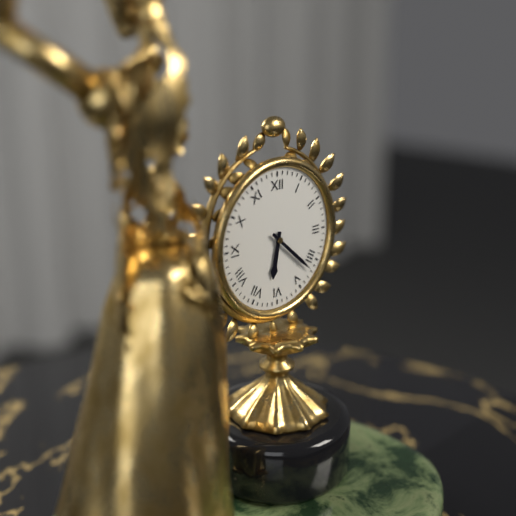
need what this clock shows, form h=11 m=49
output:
h=6 m=22
